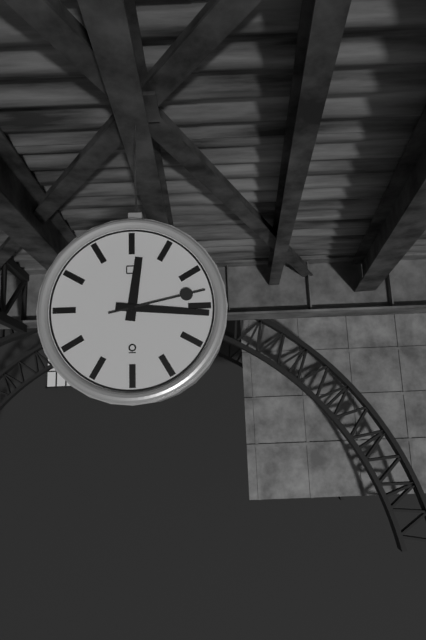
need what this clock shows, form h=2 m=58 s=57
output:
h=12 m=16 s=13
